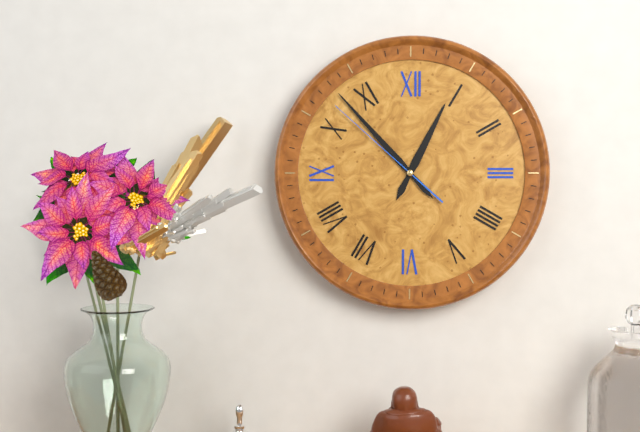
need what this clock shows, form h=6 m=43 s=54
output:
h=12 m=53 s=52
